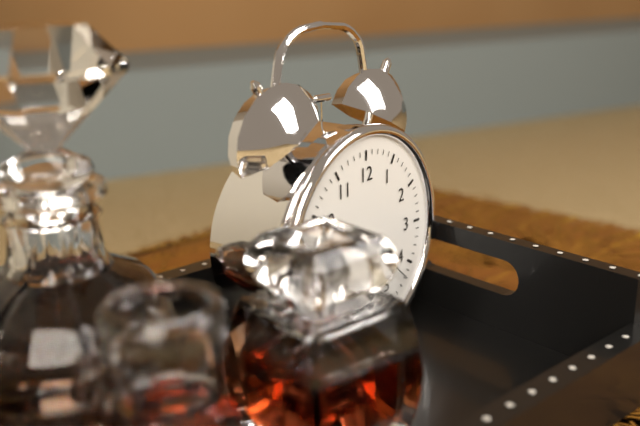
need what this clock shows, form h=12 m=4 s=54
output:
h=4 m=50 s=22
